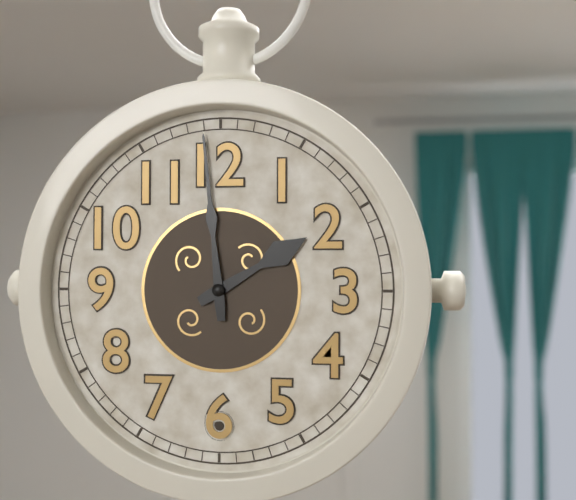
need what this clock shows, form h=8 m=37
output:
h=1 m=59
